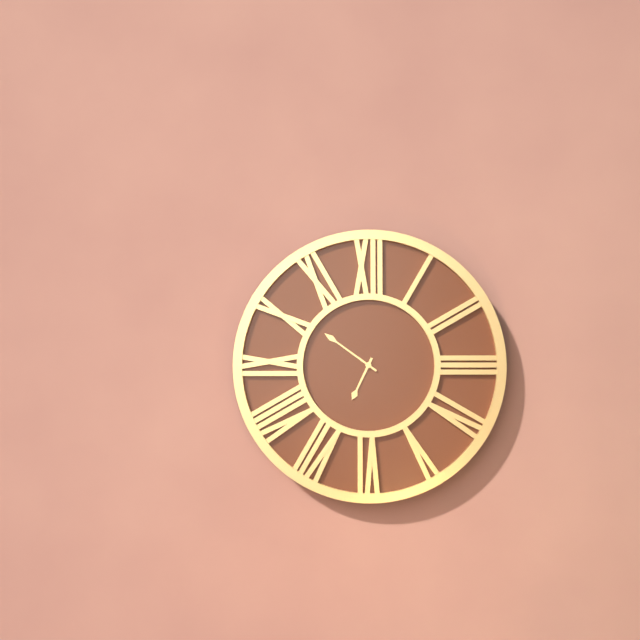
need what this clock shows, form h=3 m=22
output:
h=6 m=51
